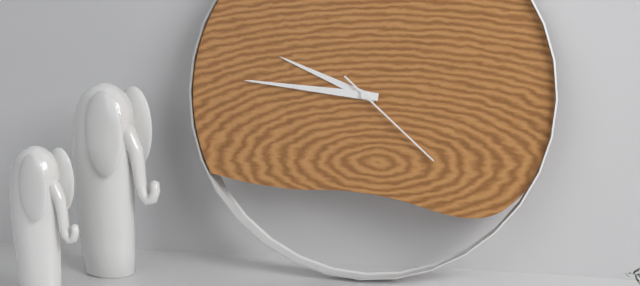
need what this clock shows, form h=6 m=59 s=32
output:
h=9 m=46 s=22
